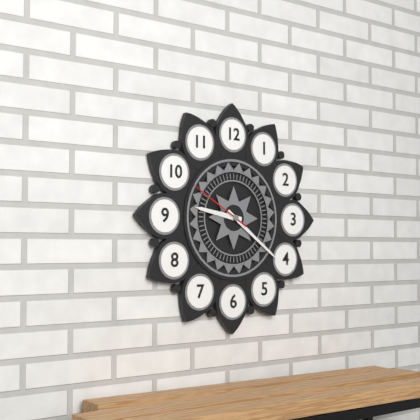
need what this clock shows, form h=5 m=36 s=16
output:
h=9 m=21 s=50
